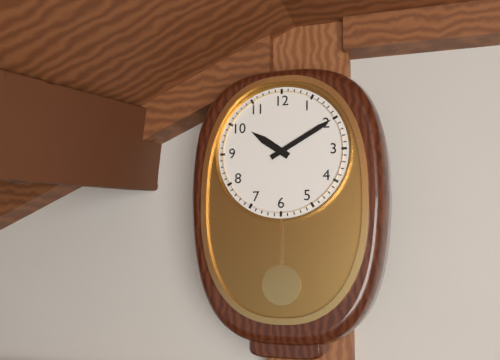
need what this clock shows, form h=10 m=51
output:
h=10 m=10
